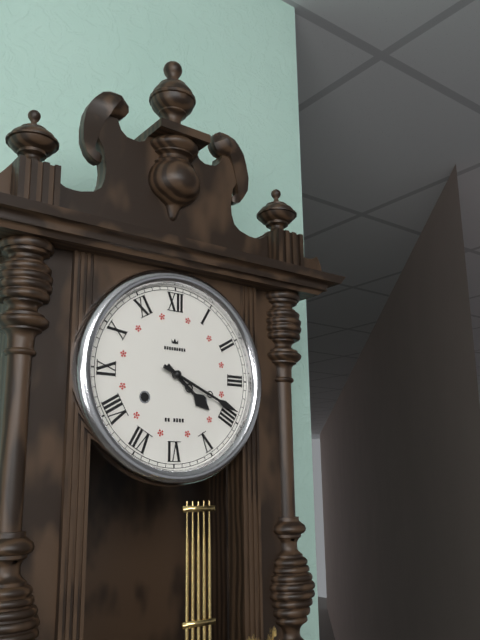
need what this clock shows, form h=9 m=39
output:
h=4 m=19
